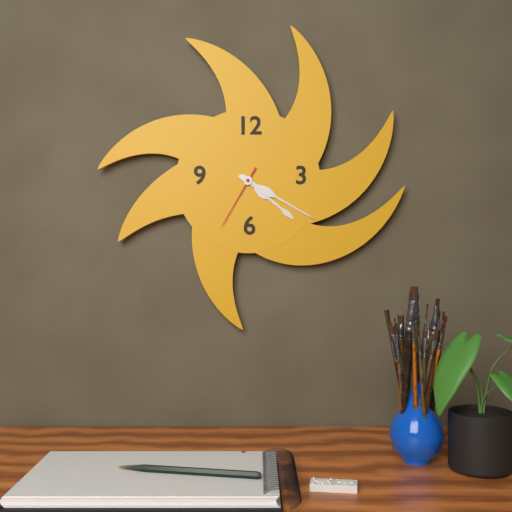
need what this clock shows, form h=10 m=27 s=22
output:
h=4 m=20 s=35
